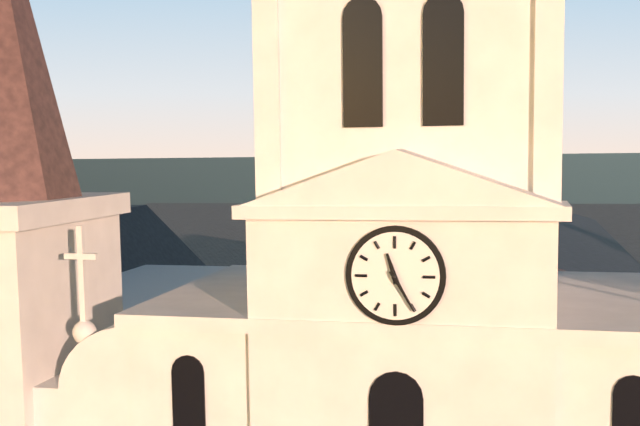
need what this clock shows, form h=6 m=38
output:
h=11 m=25
